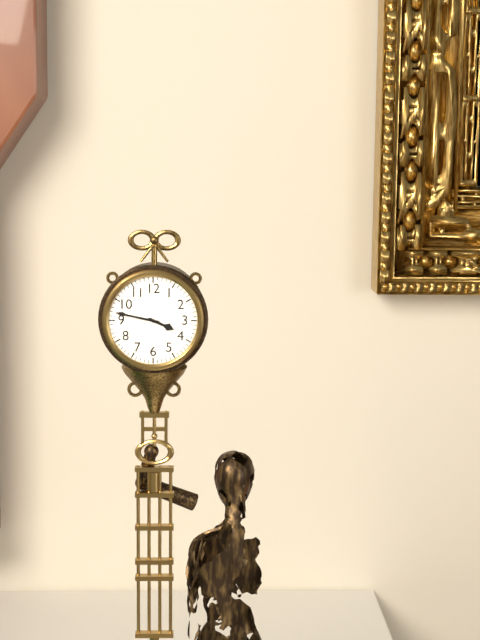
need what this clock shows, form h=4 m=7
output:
h=3 m=47
